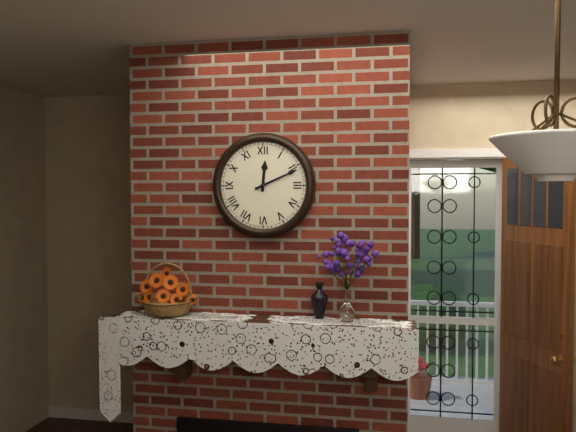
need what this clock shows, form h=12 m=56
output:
h=12 m=11
